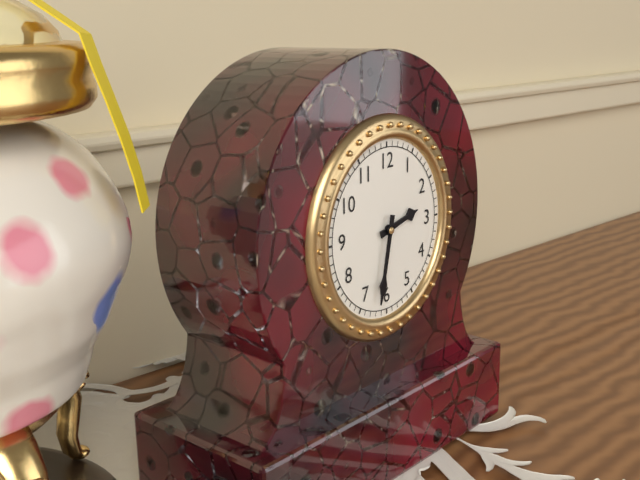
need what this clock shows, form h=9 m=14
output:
h=2 m=32
